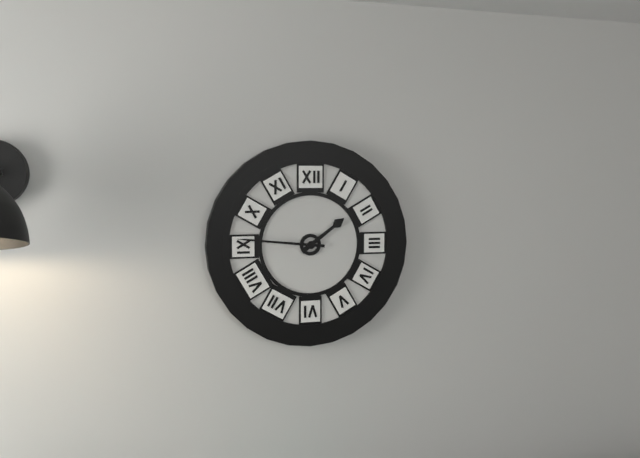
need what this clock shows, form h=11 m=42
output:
h=1 m=46
